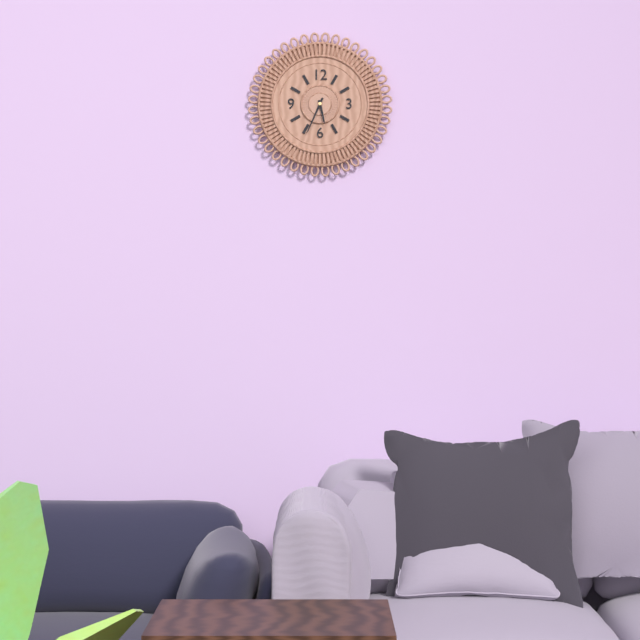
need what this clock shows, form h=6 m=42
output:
h=5 m=34
